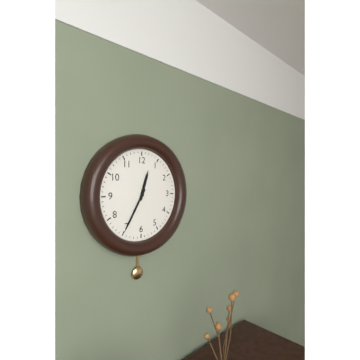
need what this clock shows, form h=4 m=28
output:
h=12 m=35
